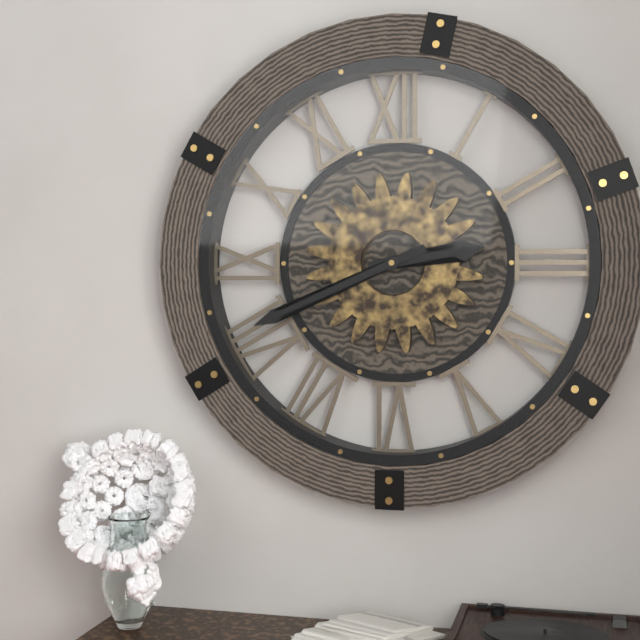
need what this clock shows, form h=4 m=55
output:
h=2 m=41
